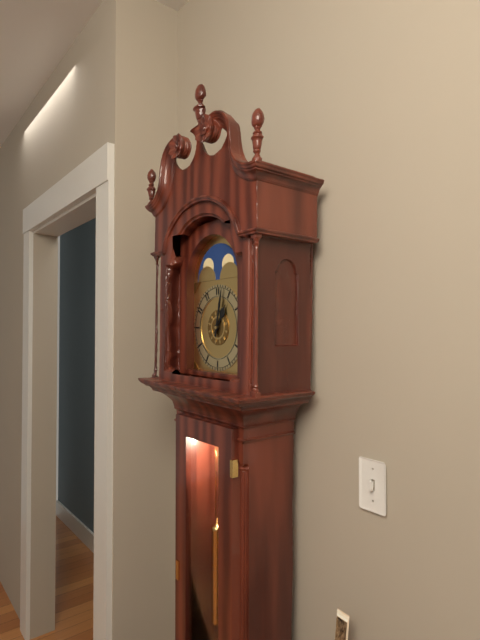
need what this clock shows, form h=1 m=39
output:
h=1 m=2
